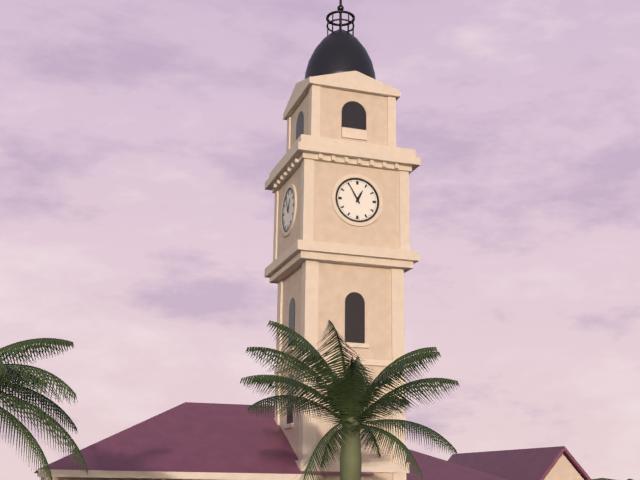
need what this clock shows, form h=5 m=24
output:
h=12 m=55
